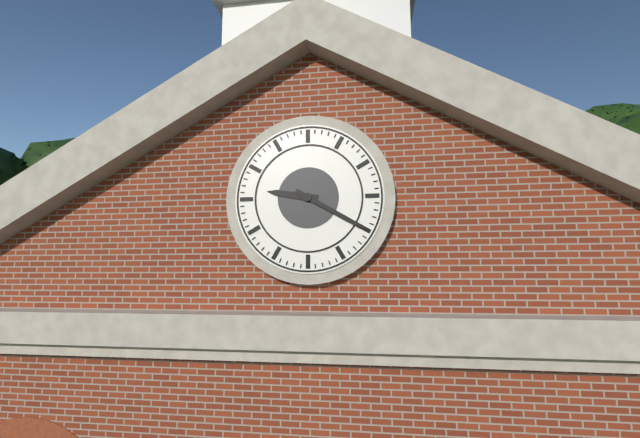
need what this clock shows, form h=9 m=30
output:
h=9 m=20
